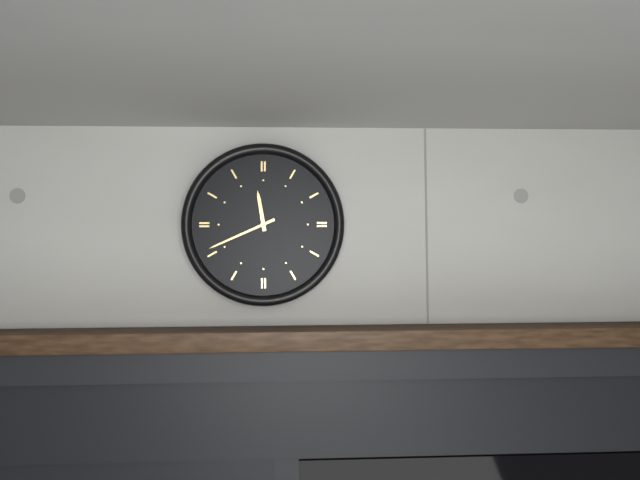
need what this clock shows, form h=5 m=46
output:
h=11 m=41
